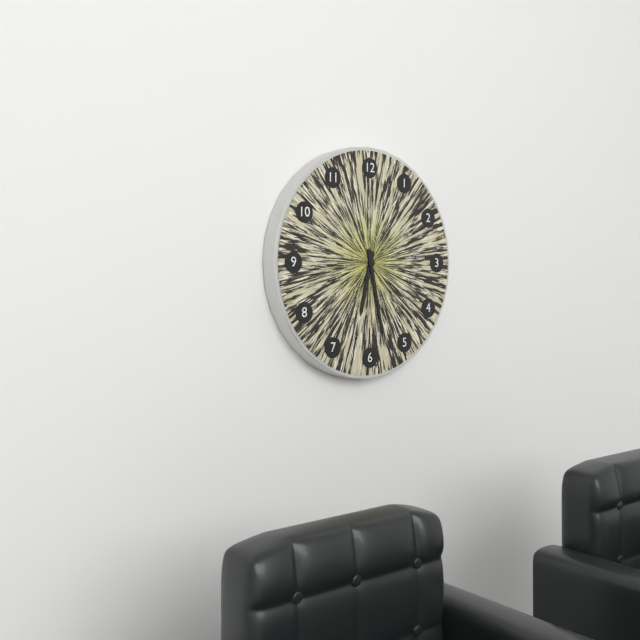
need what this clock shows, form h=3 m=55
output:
h=6 m=28
